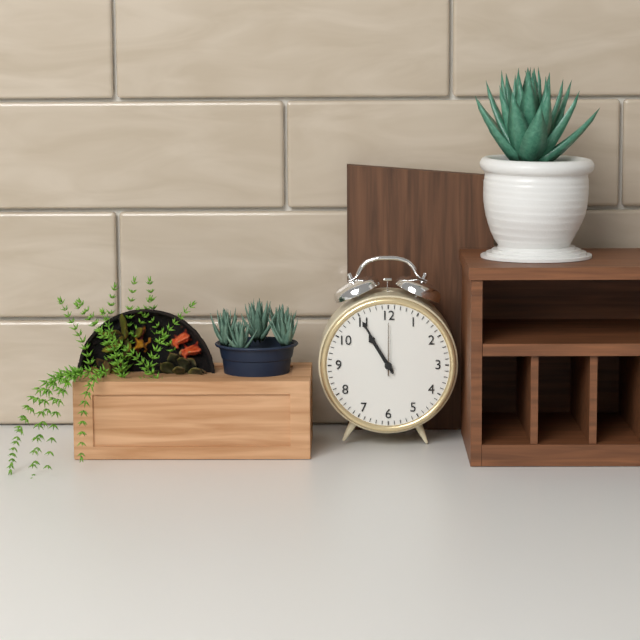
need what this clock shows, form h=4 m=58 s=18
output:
h=10 m=55 s=0
